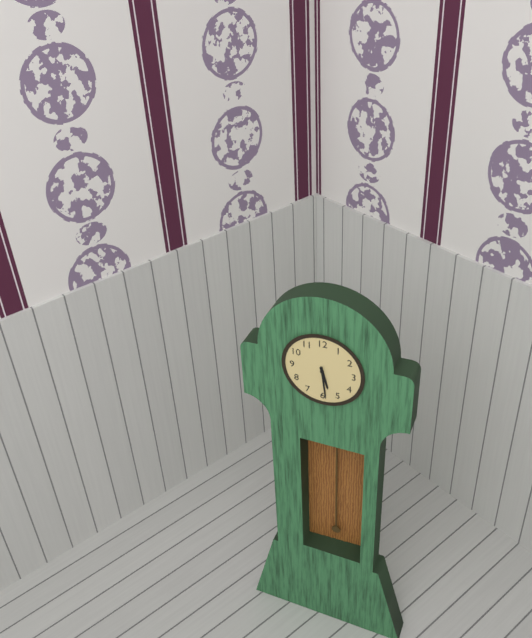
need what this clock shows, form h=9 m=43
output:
h=5 m=29
